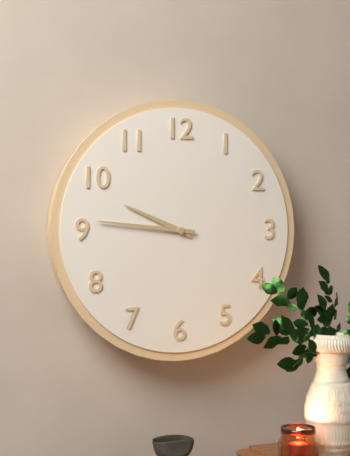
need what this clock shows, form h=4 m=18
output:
h=9 m=46
